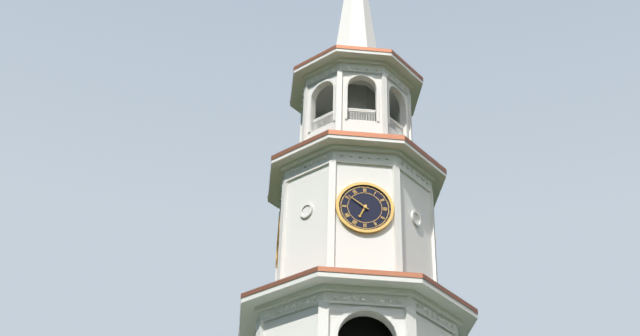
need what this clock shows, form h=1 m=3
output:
h=6 m=51
